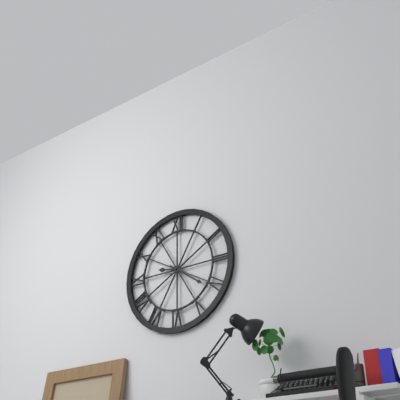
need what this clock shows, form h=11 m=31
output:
h=9 m=21
